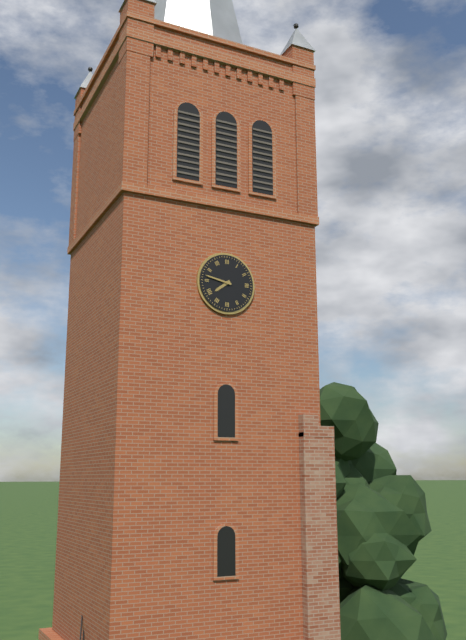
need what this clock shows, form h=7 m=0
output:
h=7 m=47
